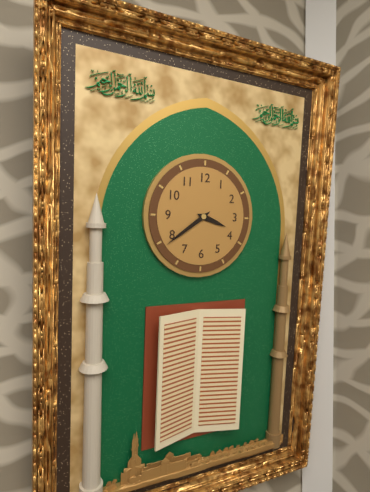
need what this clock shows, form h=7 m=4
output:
h=3 m=39
